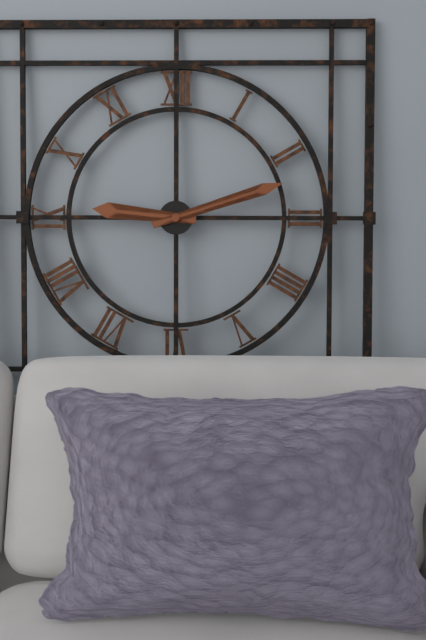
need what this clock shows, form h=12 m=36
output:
h=9 m=12
